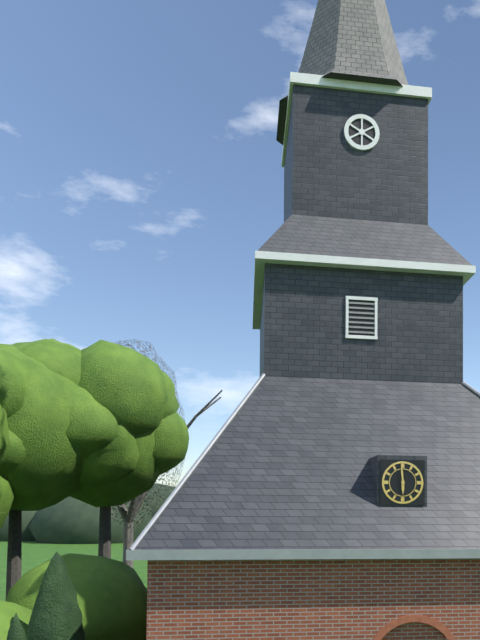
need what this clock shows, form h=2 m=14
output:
h=5 m=59
